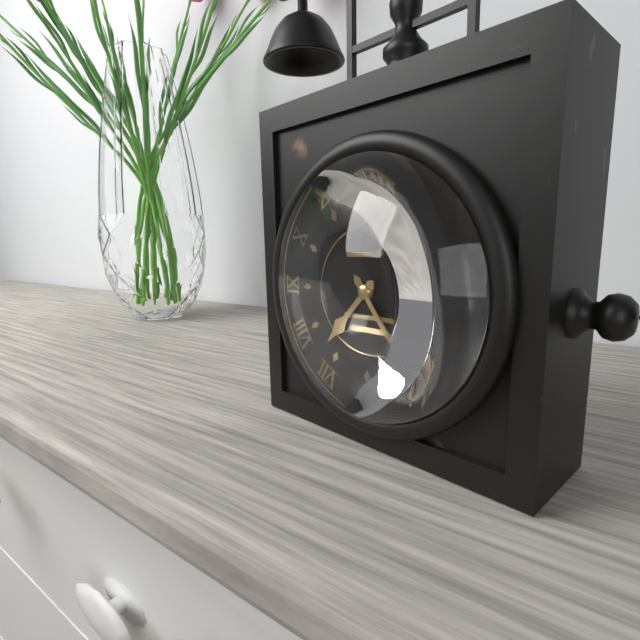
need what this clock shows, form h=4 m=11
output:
h=7 m=24
